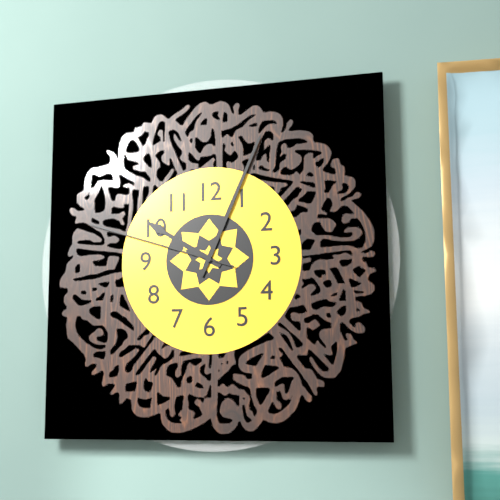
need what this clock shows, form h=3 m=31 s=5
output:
h=10 m=4 s=48
